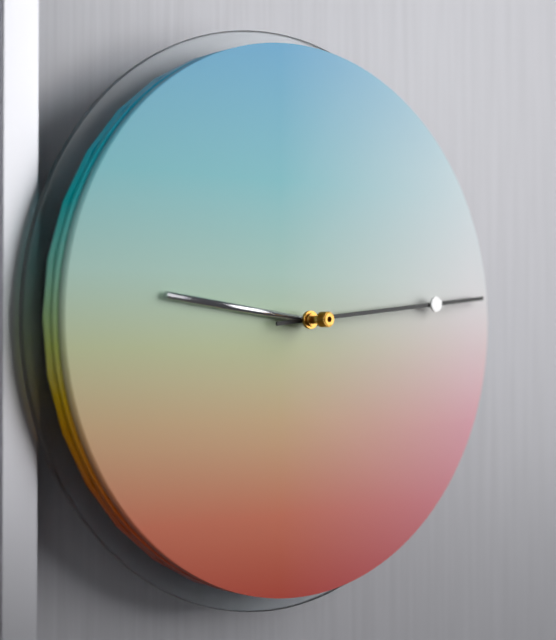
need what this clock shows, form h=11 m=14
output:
h=9 m=14
